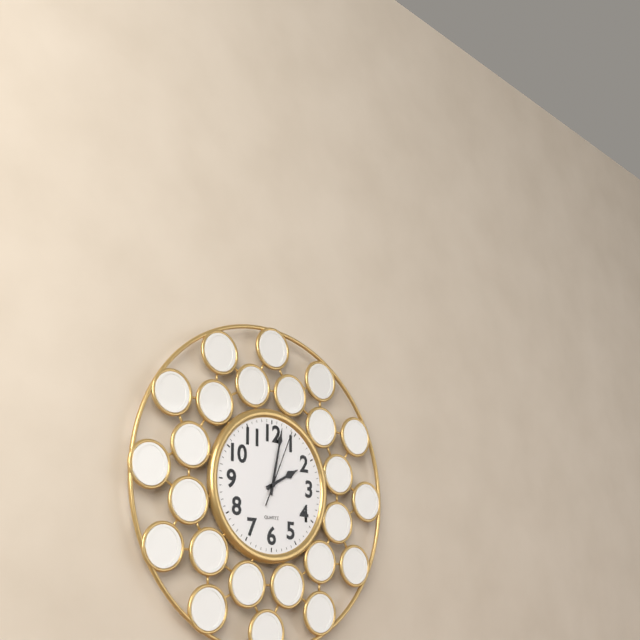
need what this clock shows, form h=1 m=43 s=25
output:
h=2 m=2 s=4
